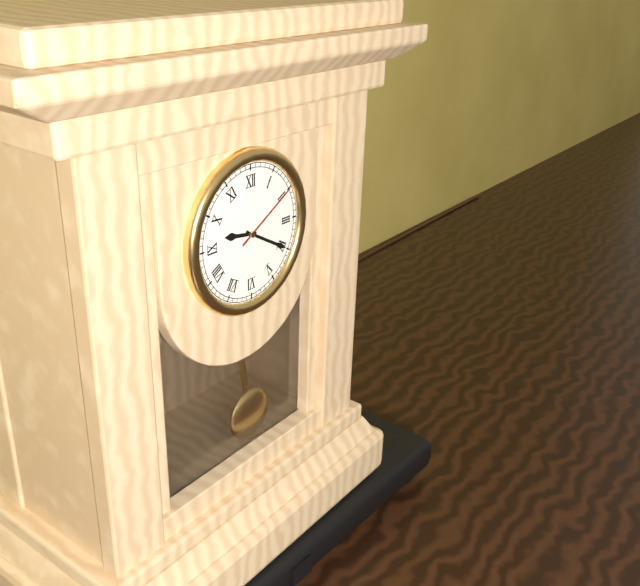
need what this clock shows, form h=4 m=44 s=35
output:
h=9 m=20 s=10
